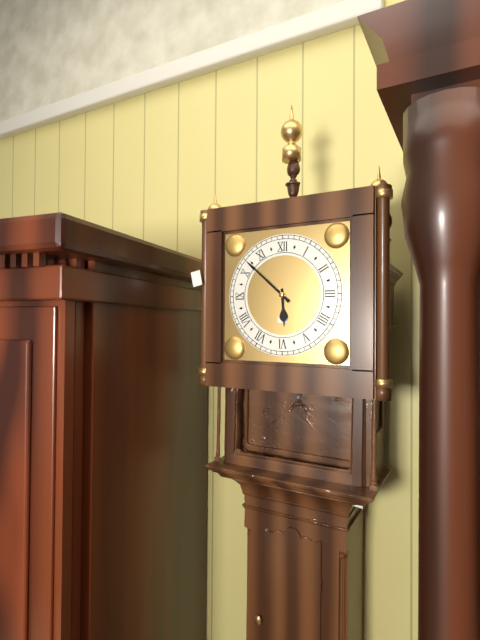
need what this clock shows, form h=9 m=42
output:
h=5 m=52
